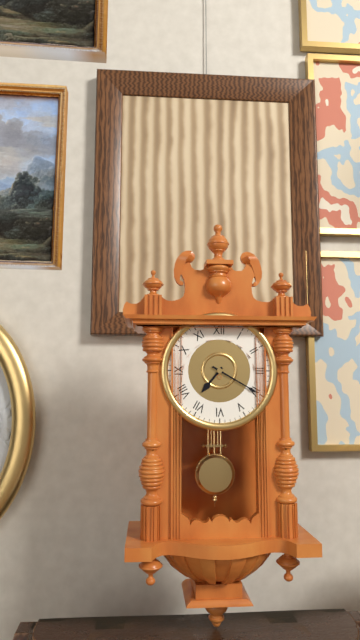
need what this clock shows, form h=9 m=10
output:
h=7 m=20
